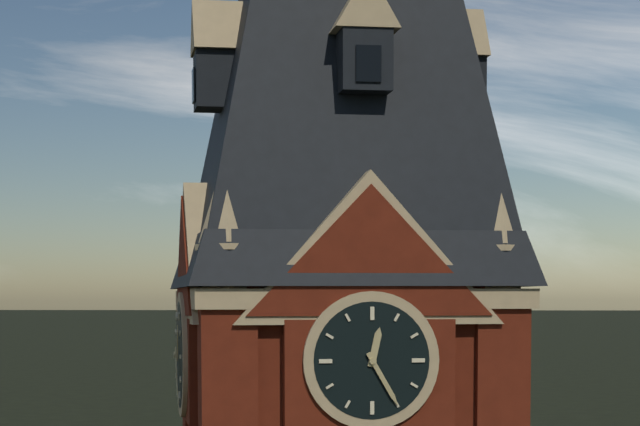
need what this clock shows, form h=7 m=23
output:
h=12 m=25
